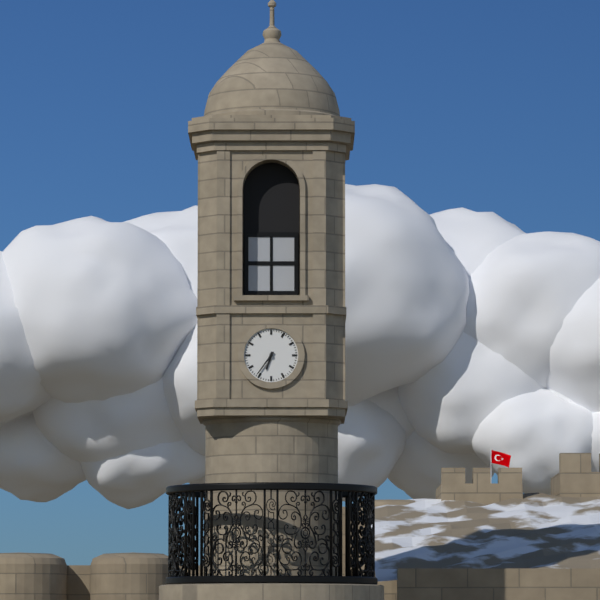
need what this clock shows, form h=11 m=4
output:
h=6 m=36
